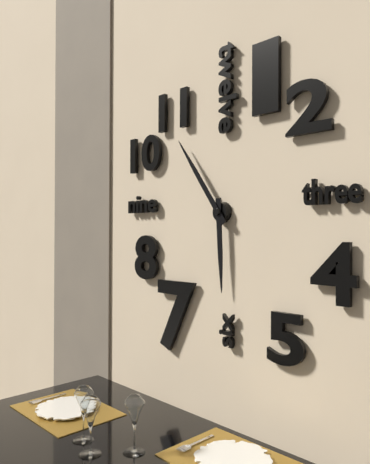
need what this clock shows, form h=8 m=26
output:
h=5 m=54
